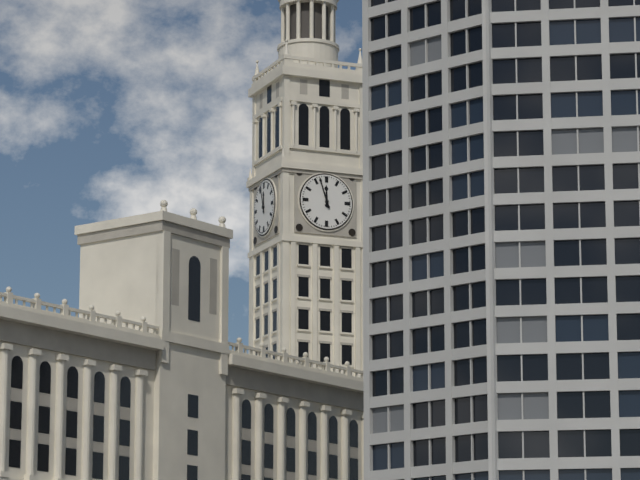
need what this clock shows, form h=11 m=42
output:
h=11 m=57
